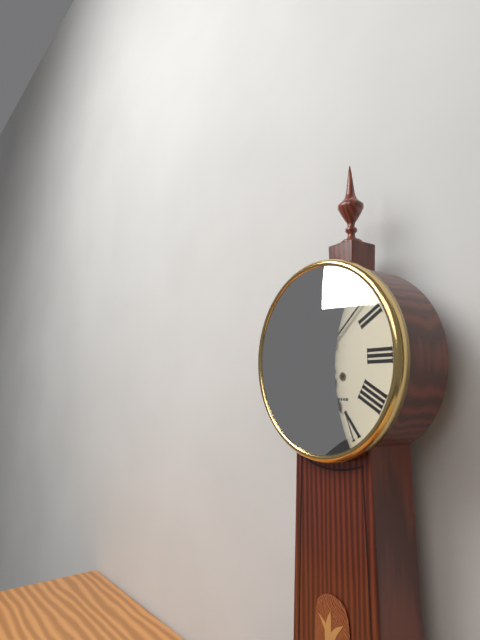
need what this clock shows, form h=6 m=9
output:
h=5 m=8
